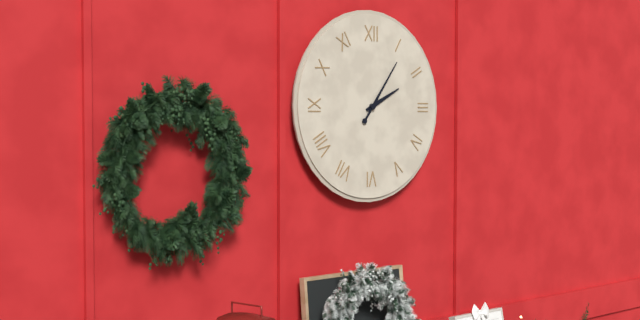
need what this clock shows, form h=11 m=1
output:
h=2 m=6
